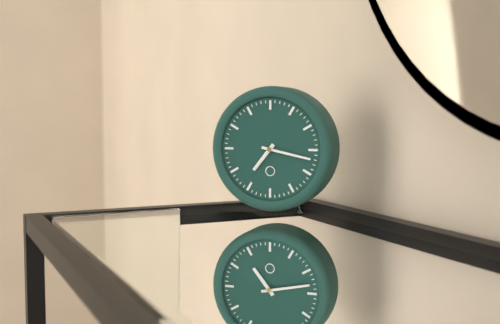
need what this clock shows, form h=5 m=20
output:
h=7 m=17
